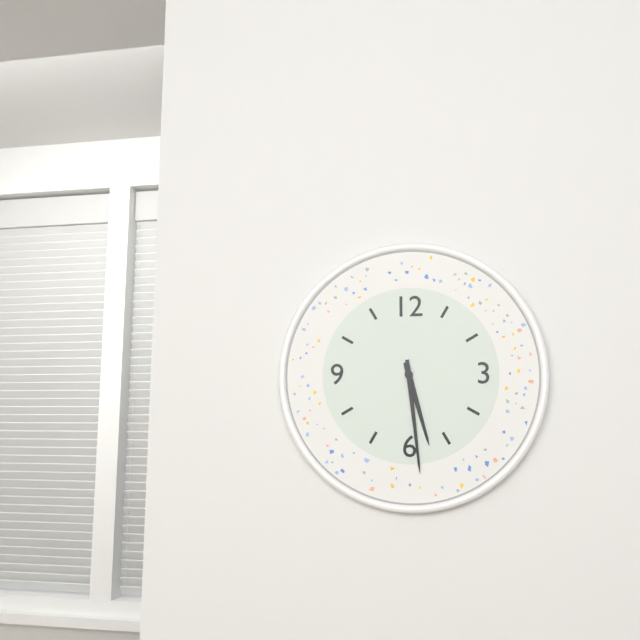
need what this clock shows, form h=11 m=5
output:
h=5 m=29
